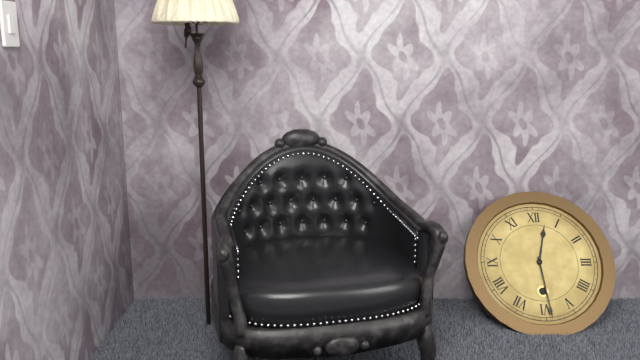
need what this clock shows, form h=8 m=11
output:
h=12 m=29
